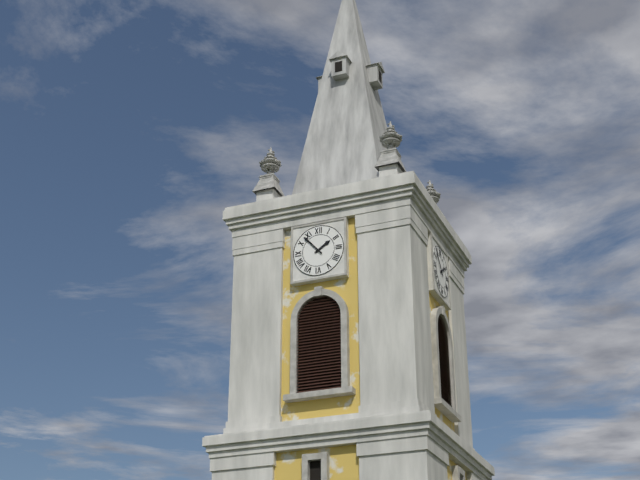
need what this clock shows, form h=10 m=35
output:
h=1 m=53
